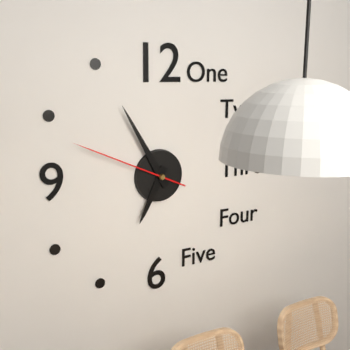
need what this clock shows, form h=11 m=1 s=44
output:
h=6 m=55 s=49
